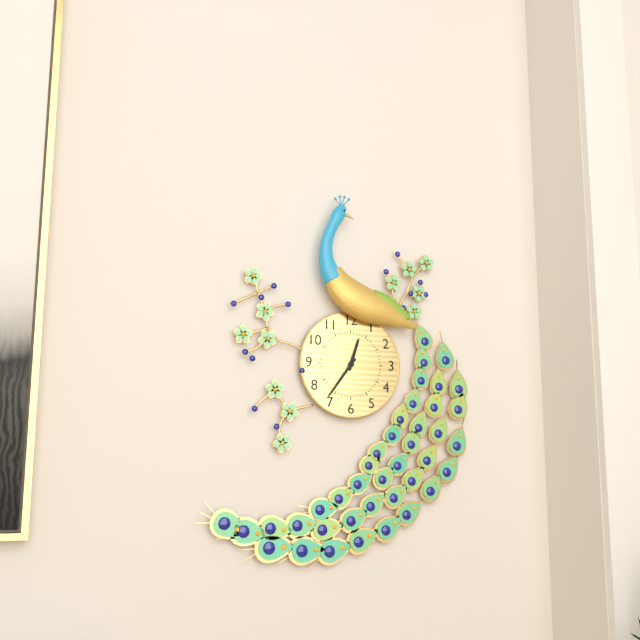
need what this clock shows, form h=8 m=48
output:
h=12 m=36
